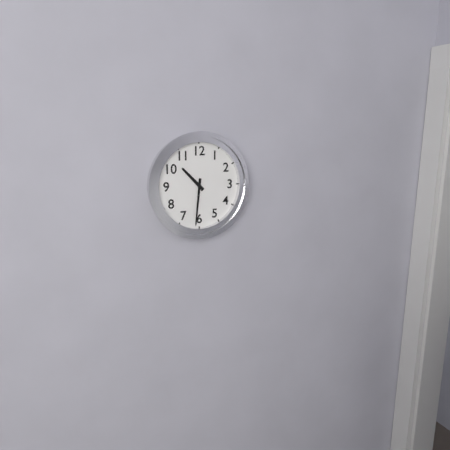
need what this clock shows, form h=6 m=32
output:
h=10 m=31
